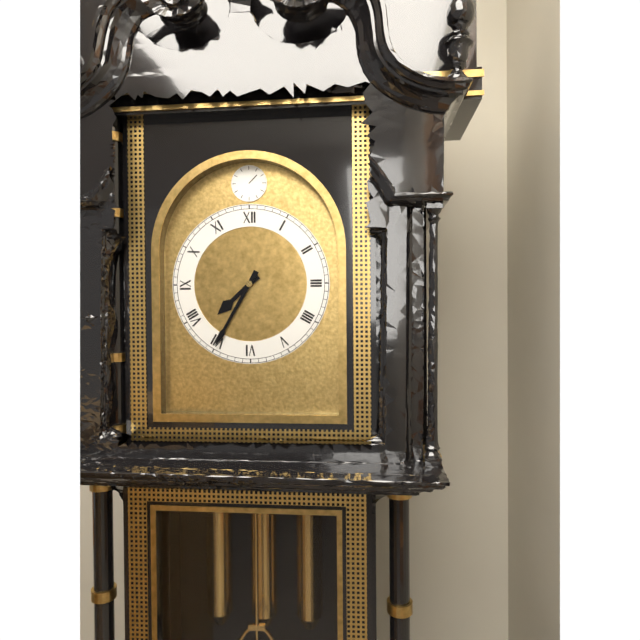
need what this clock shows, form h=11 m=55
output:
h=7 m=35
